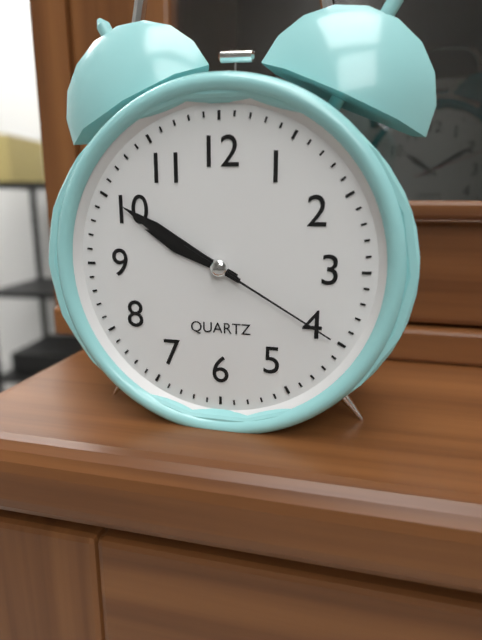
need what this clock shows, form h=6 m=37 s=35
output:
h=9 m=50 s=20
